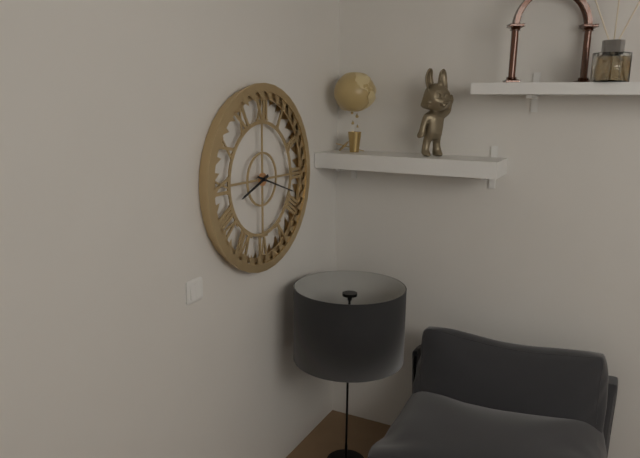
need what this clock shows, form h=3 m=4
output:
h=8 m=18
